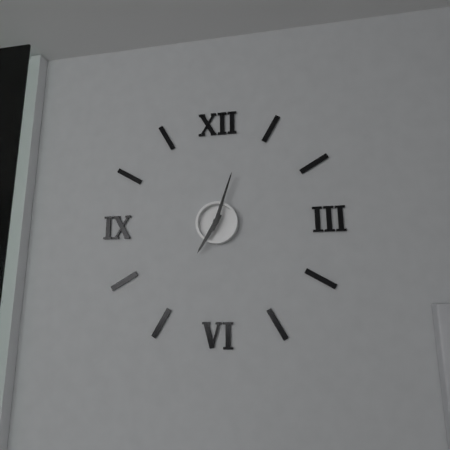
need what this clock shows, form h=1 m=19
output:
h=7 m=3
